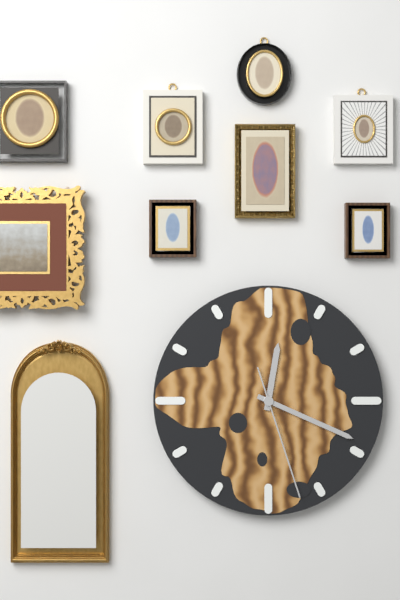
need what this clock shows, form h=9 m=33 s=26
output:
h=12 m=19 s=27
